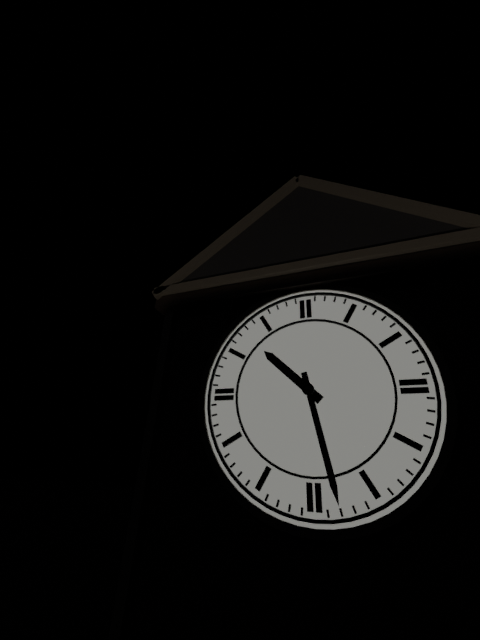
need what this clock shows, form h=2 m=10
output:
h=10 m=28
